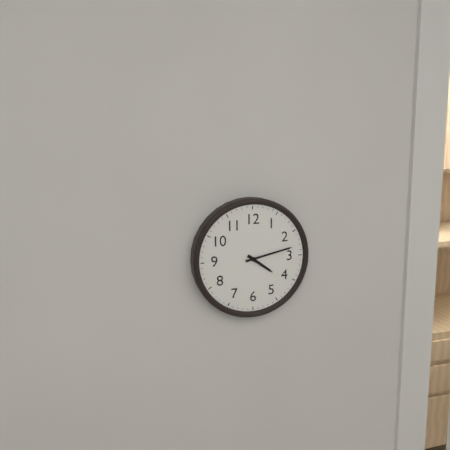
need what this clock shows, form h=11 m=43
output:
h=4 m=13
